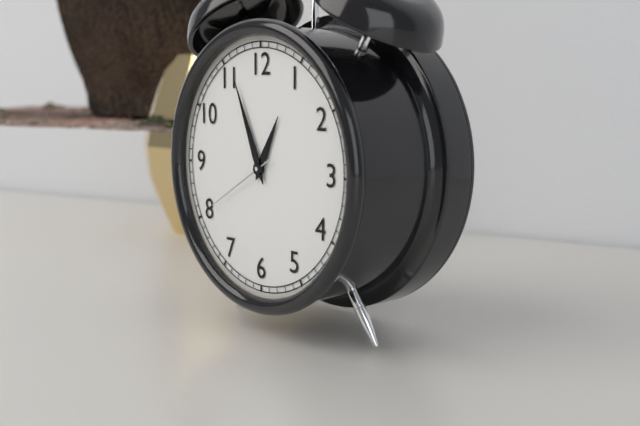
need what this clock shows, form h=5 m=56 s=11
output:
h=12 m=56 s=40
